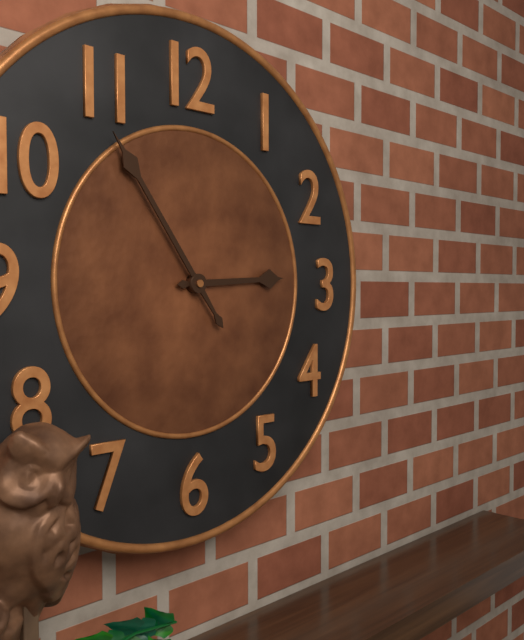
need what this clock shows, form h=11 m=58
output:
h=2 m=54
